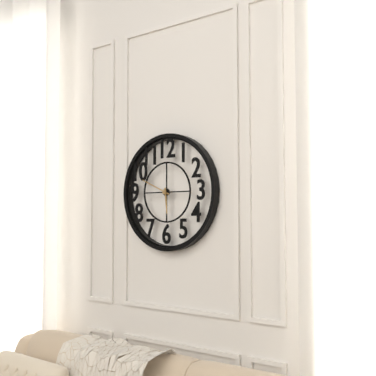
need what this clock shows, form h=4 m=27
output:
h=5 m=49
